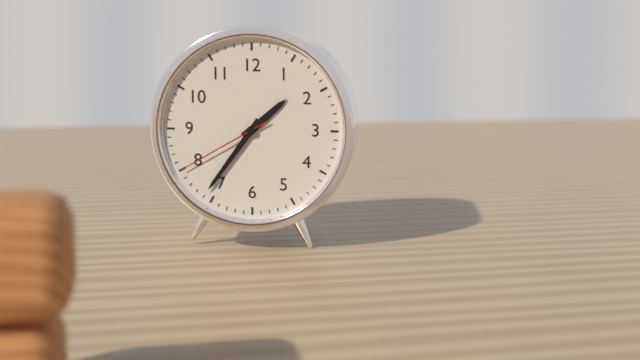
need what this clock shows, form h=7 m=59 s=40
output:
h=1 m=36 s=40
